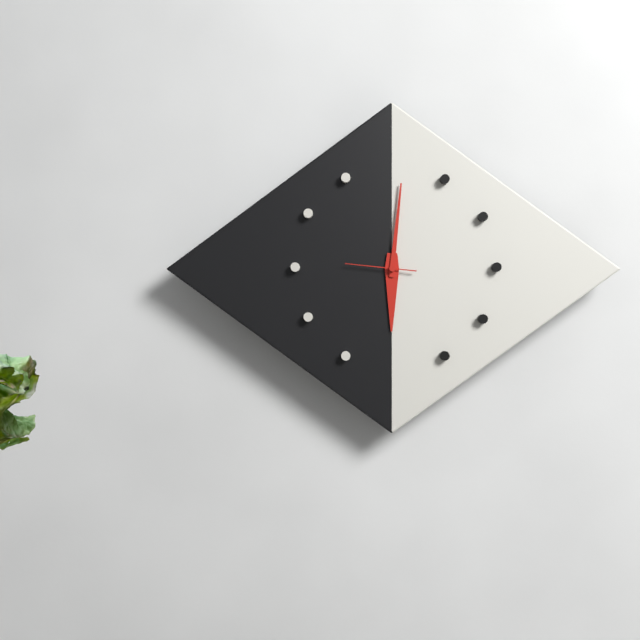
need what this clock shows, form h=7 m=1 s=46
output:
h=6 m=1 s=46
